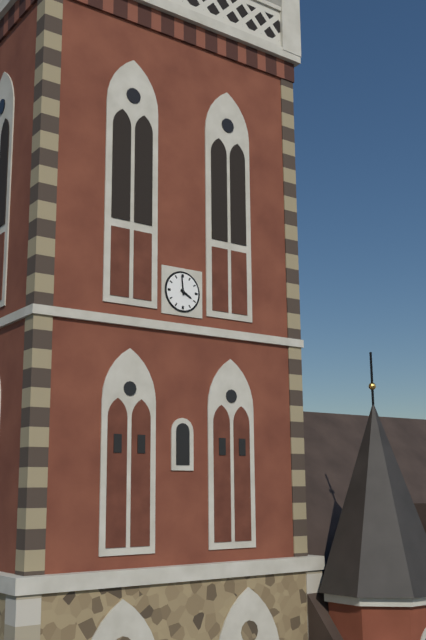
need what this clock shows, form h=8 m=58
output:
h=3 m=59
